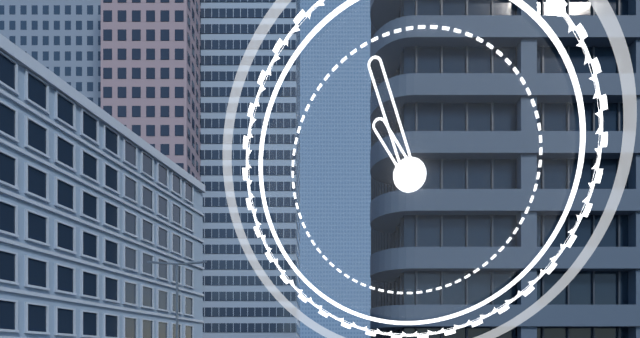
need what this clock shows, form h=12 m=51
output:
h=10 m=57
